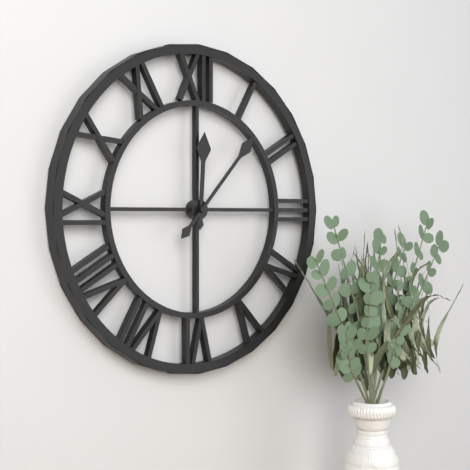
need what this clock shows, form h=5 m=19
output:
h=12 m=7
